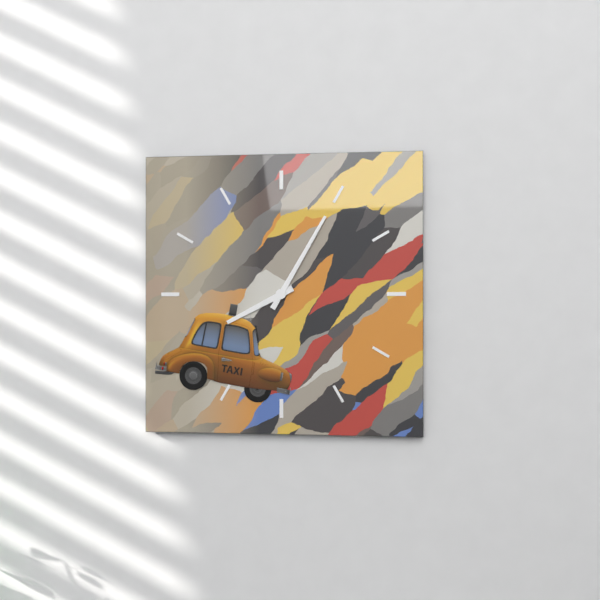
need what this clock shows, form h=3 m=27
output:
h=8 m=5
